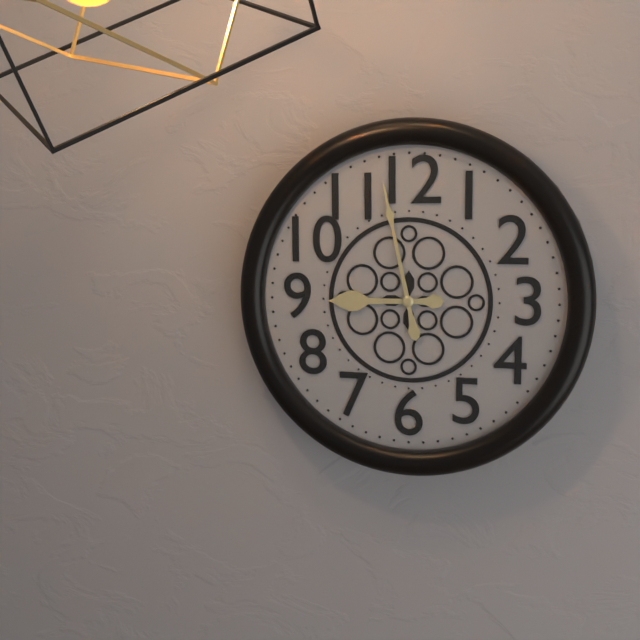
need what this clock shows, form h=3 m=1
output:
h=8 m=58
